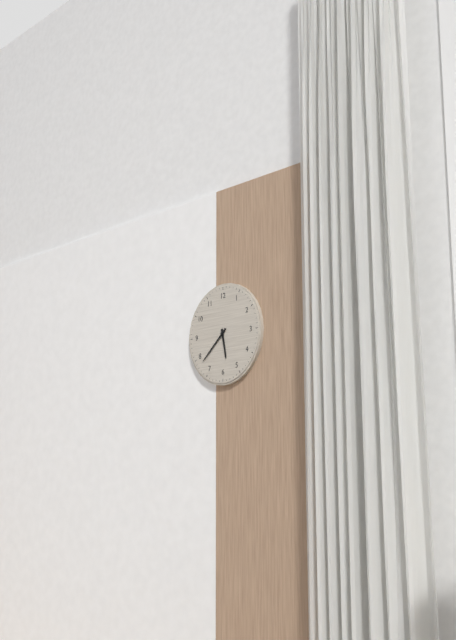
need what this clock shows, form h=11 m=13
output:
h=5 m=38
